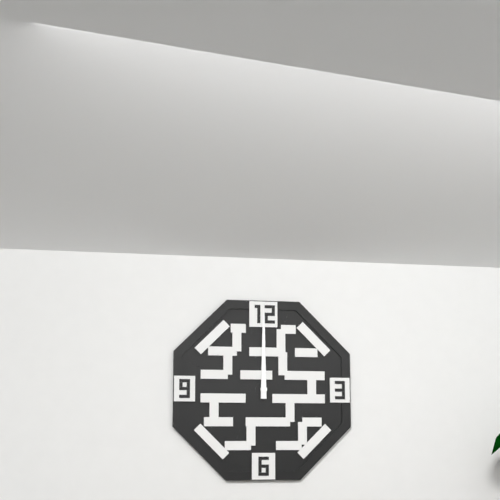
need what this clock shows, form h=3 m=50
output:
h=12 m=0
